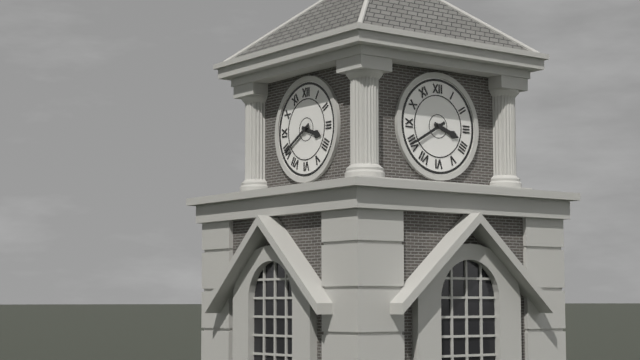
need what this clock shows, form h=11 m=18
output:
h=3 m=40
